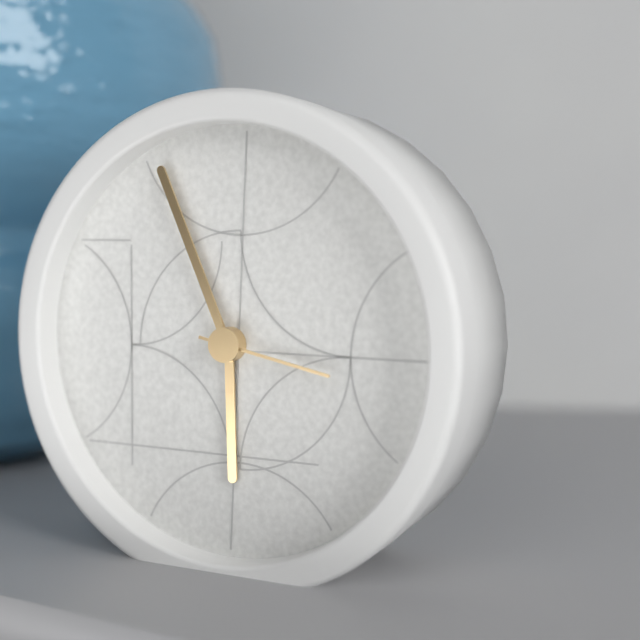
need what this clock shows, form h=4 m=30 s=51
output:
h=5 m=56 s=17
